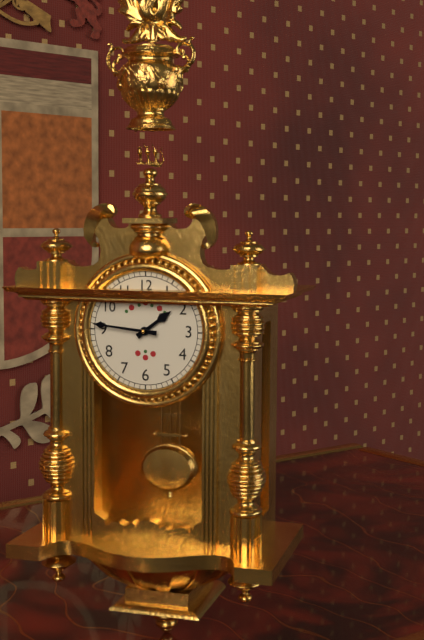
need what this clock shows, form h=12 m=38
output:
h=1 m=46
